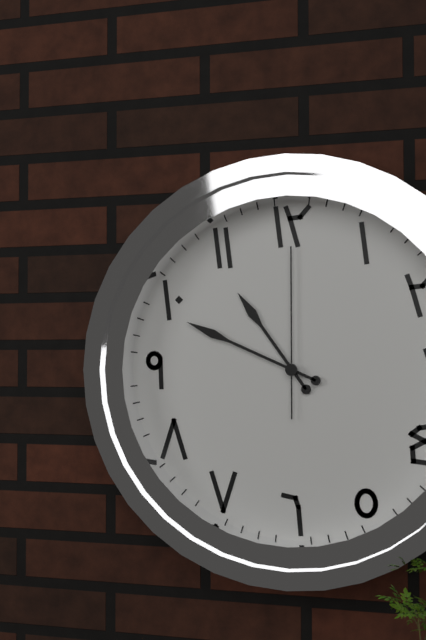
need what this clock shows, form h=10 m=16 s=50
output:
h=10 m=49 s=0
